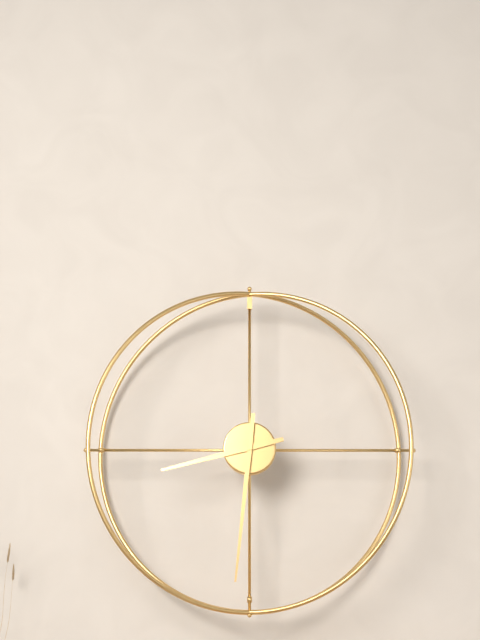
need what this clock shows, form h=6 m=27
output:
h=8 m=31
